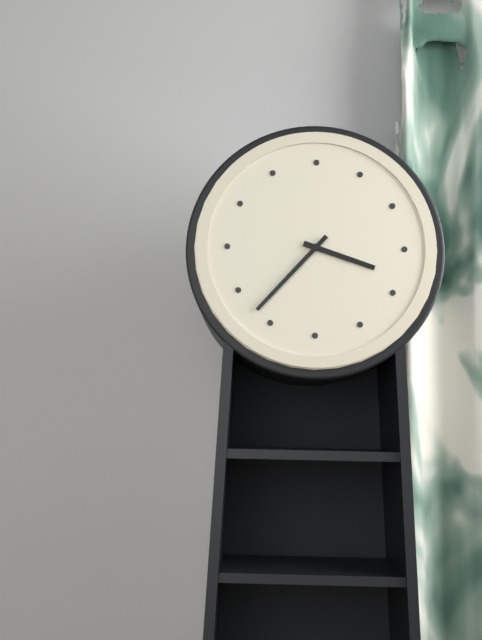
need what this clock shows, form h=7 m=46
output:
h=3 m=37
